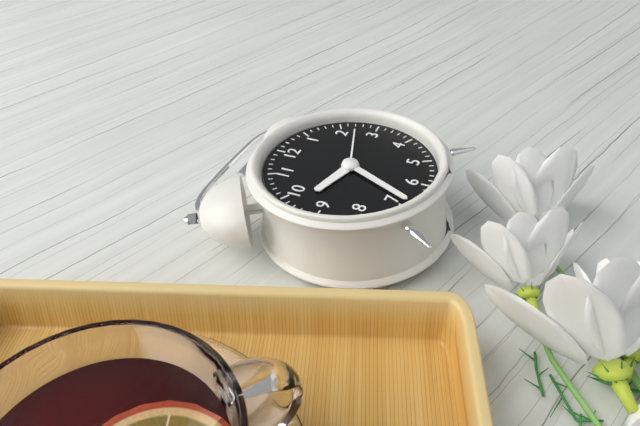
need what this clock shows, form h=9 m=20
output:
h=9 m=34
